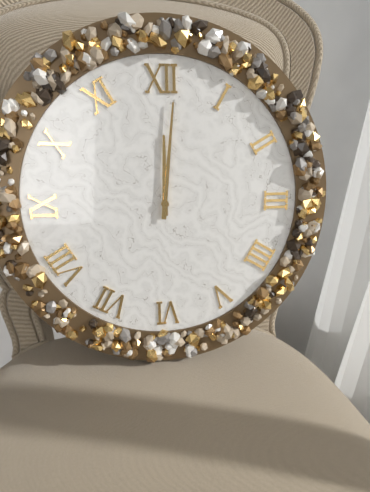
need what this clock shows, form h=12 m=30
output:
h=12 m=1
